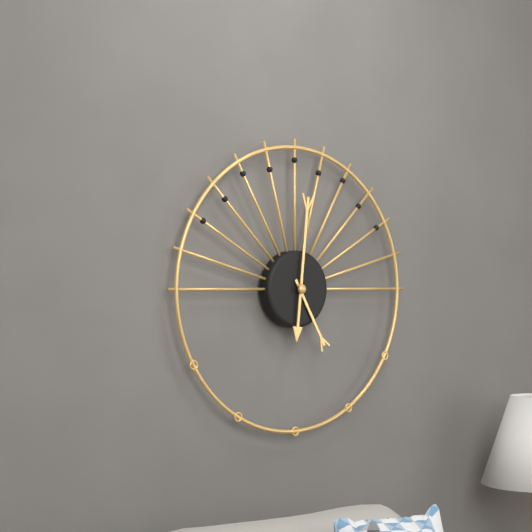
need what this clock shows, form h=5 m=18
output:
h=5 m=1
